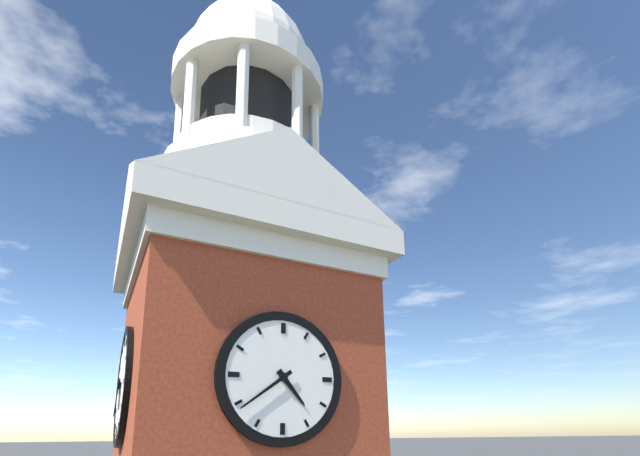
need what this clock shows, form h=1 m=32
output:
h=4 m=39
